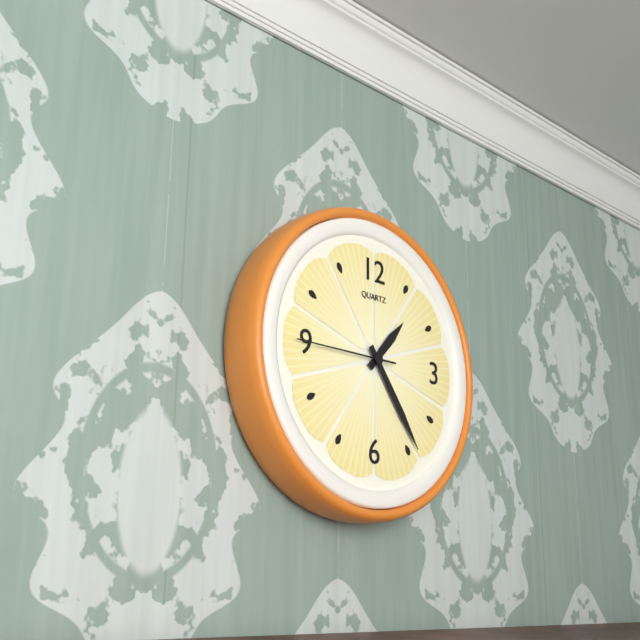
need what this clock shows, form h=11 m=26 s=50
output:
h=1 m=24 s=45
